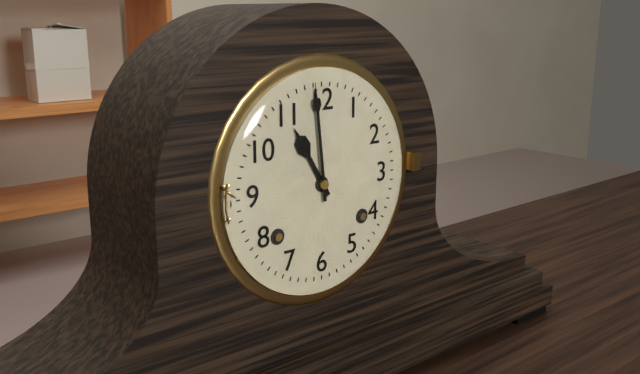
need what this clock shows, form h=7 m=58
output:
h=10 m=59
